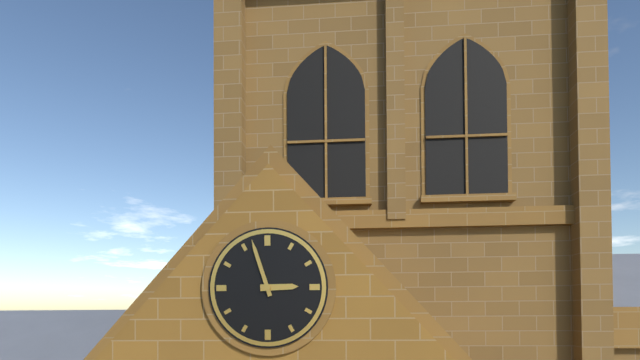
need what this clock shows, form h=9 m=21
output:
h=2 m=57
